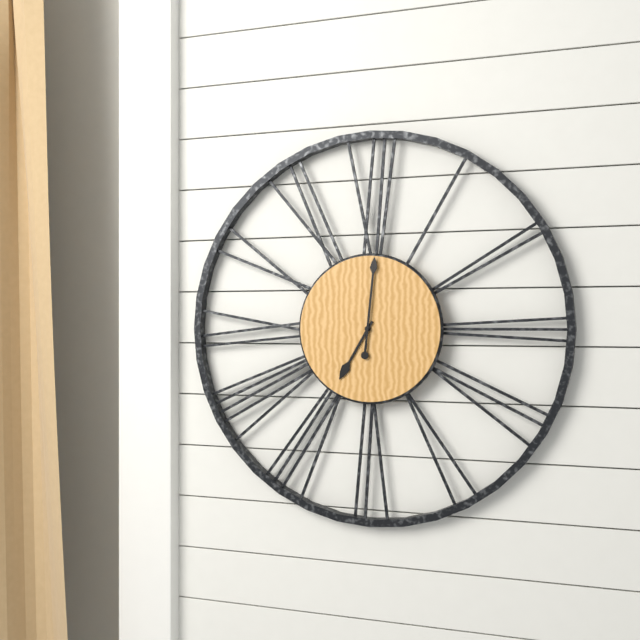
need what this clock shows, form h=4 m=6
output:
h=7 m=1
